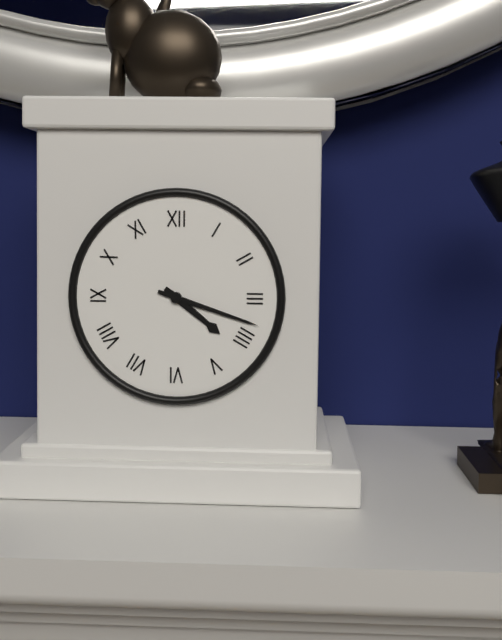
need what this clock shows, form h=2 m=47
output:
h=4 m=18
